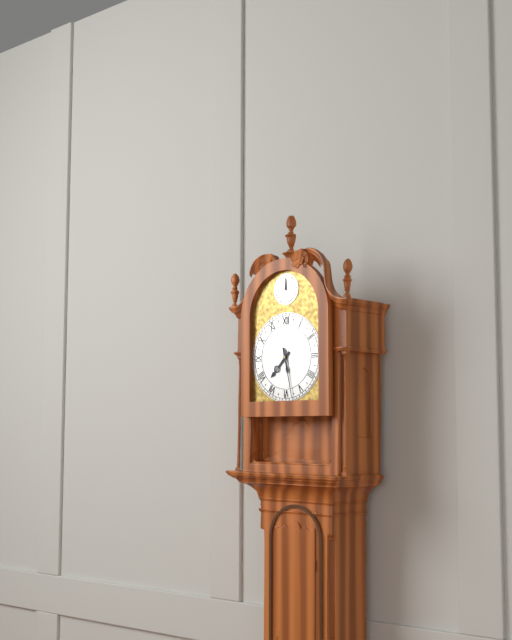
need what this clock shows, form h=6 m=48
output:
h=7 m=28
